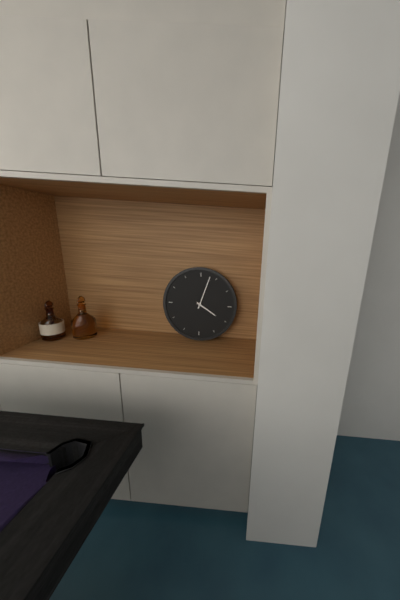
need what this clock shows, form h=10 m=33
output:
h=4 m=3
